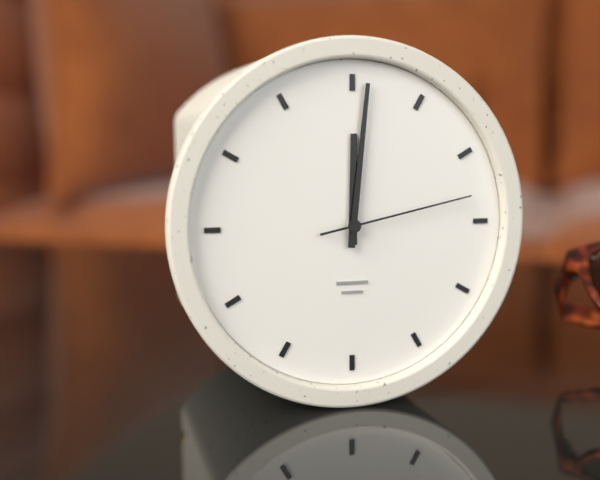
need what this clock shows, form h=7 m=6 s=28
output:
h=12 m=1 s=13
